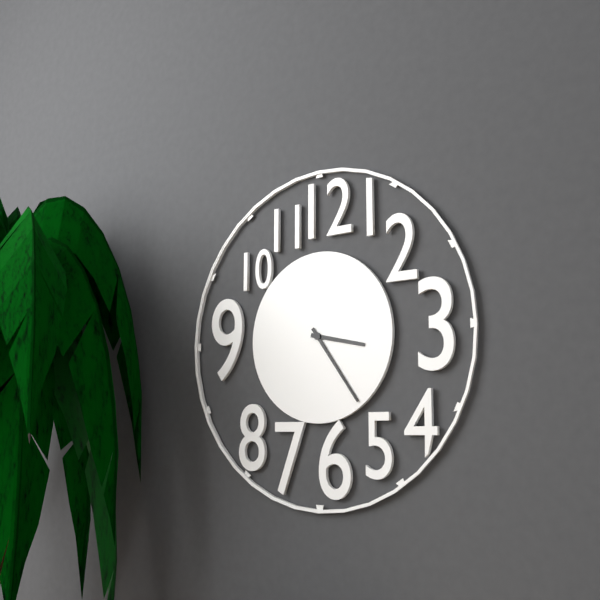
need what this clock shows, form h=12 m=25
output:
h=3 m=24
